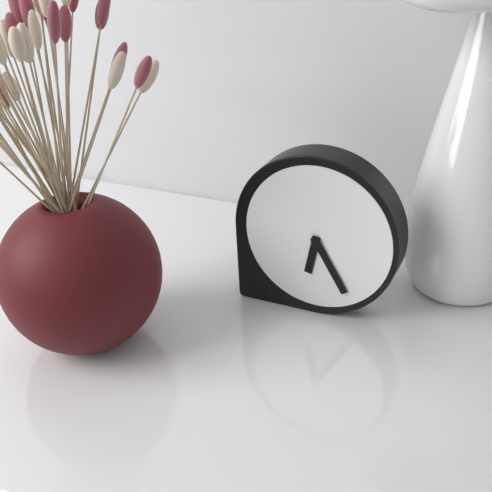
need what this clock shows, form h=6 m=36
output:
h=6 m=25
